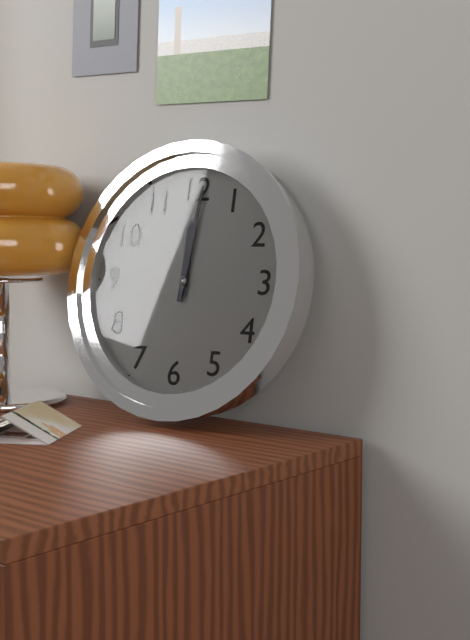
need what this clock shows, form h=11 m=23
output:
h=12 m=1
